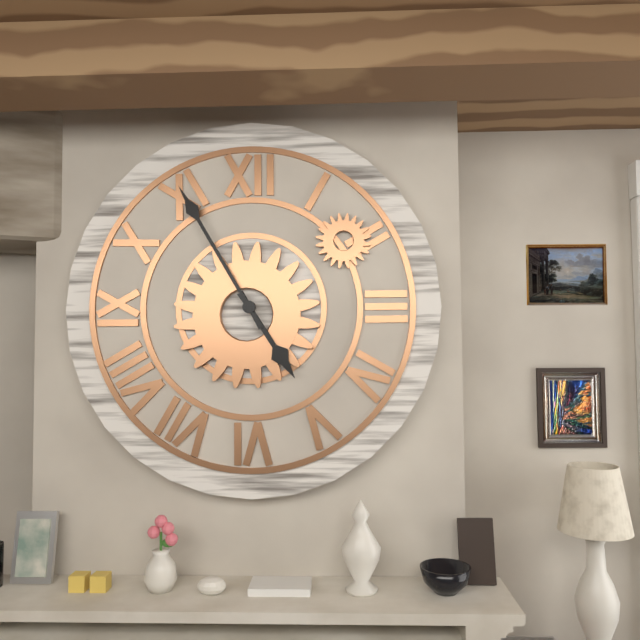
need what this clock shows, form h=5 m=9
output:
h=4 m=55
